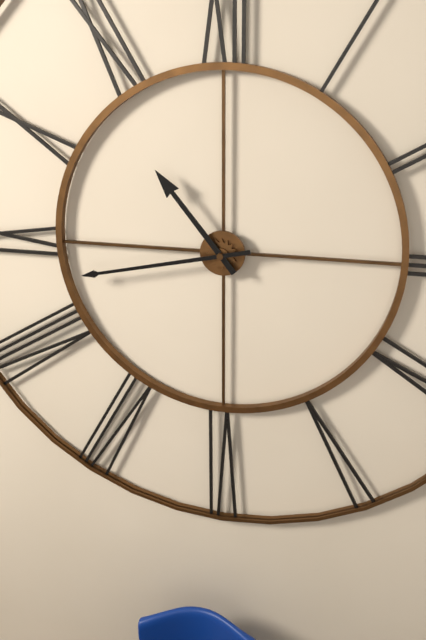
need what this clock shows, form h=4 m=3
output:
h=10 m=43
